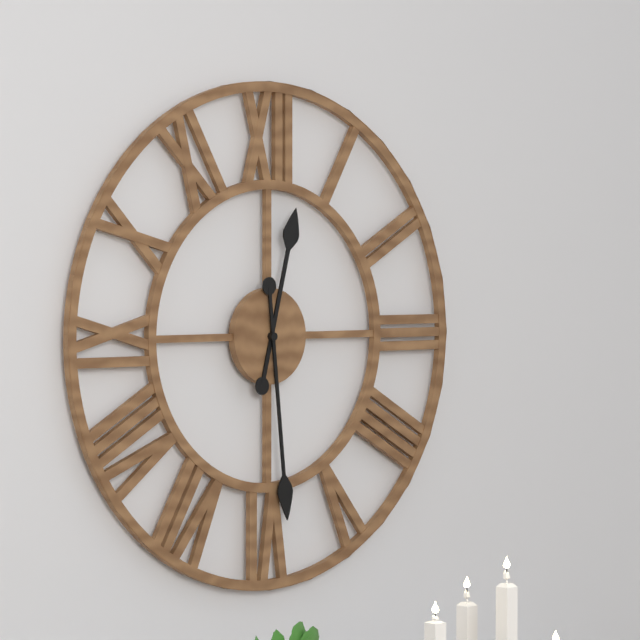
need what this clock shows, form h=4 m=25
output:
h=12 m=29
